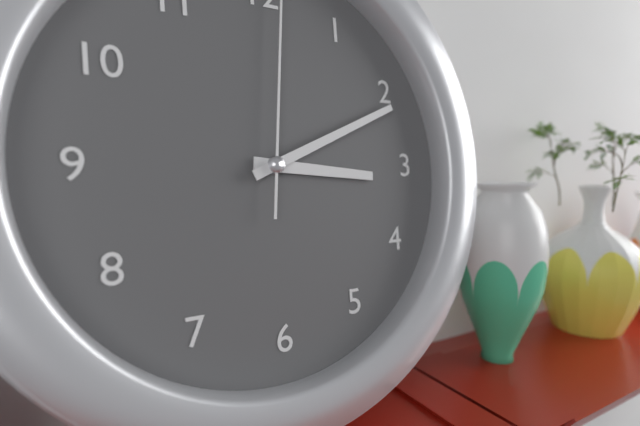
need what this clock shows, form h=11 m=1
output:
h=3 m=11
